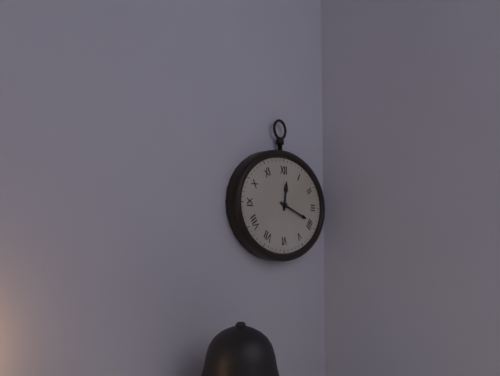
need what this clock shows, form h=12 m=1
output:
h=12 m=18
